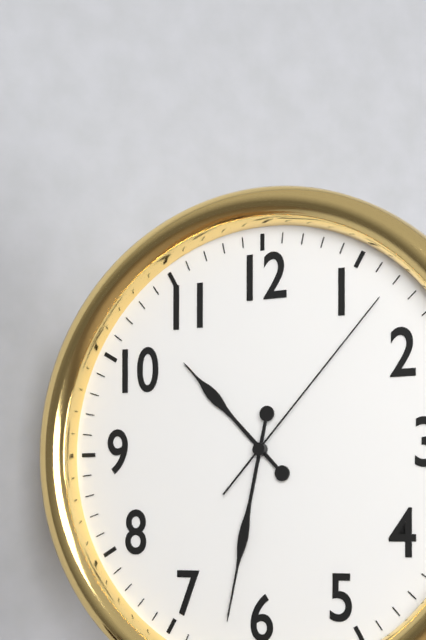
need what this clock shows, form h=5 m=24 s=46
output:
h=10 m=32 s=7
